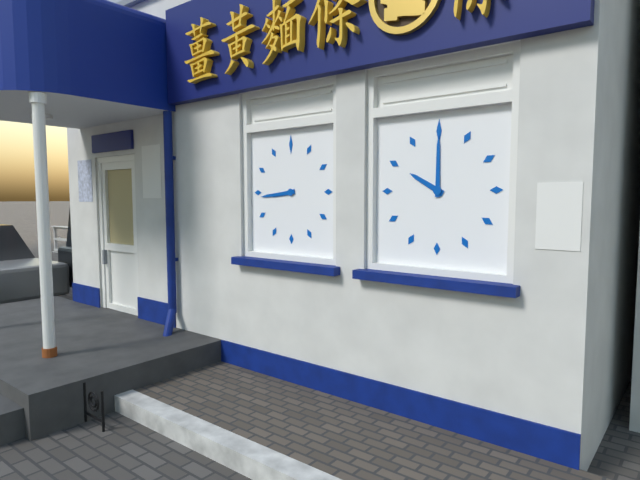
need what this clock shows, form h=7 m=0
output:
h=8 m=44
